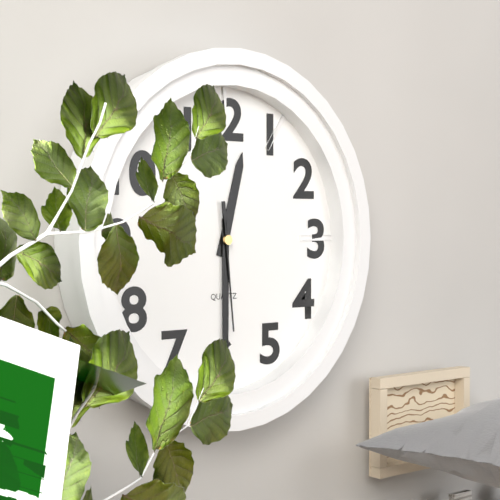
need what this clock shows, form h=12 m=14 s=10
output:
h=12 m=30 s=29
